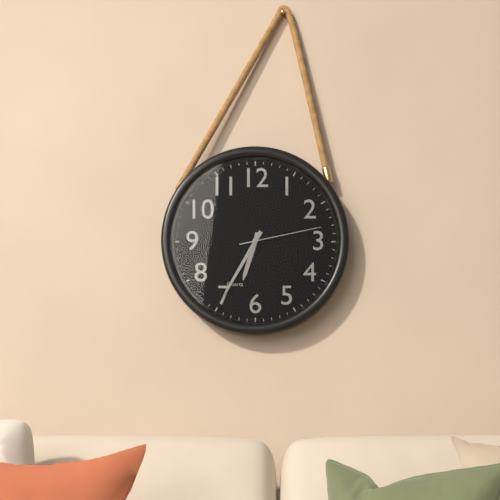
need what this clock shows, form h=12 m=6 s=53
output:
h=6 m=35 s=13
